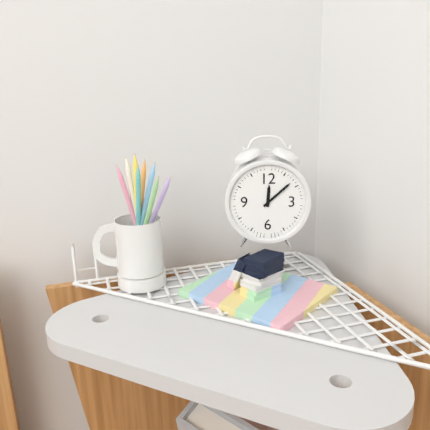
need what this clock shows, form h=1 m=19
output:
h=12 m=8
